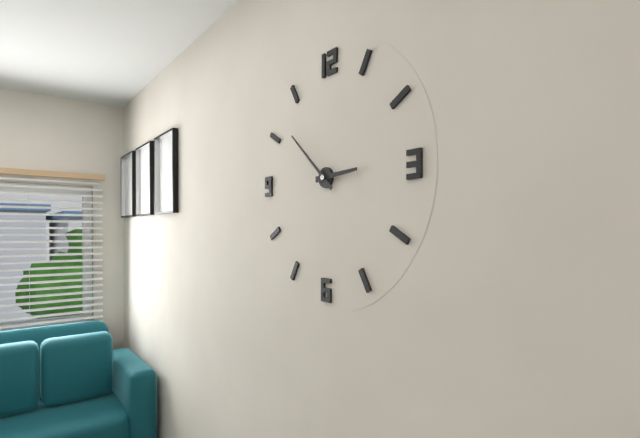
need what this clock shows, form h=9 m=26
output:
h=2 m=52
